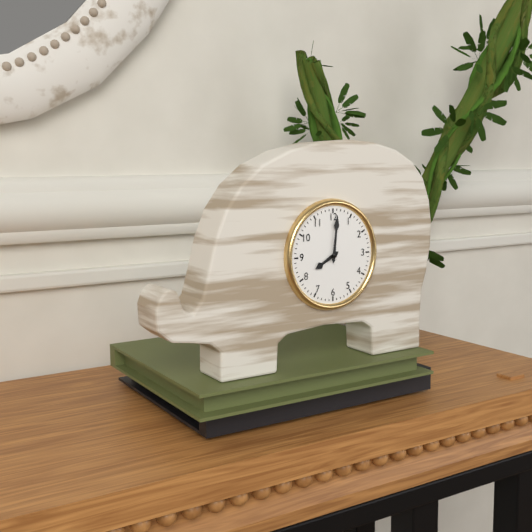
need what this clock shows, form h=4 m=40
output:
h=8 m=1
